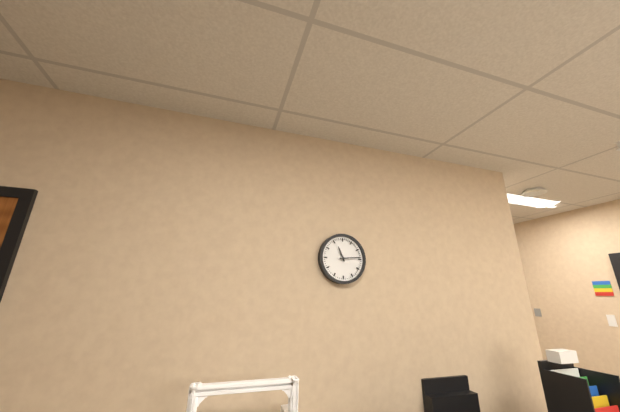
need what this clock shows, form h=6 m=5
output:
h=11 m=14
